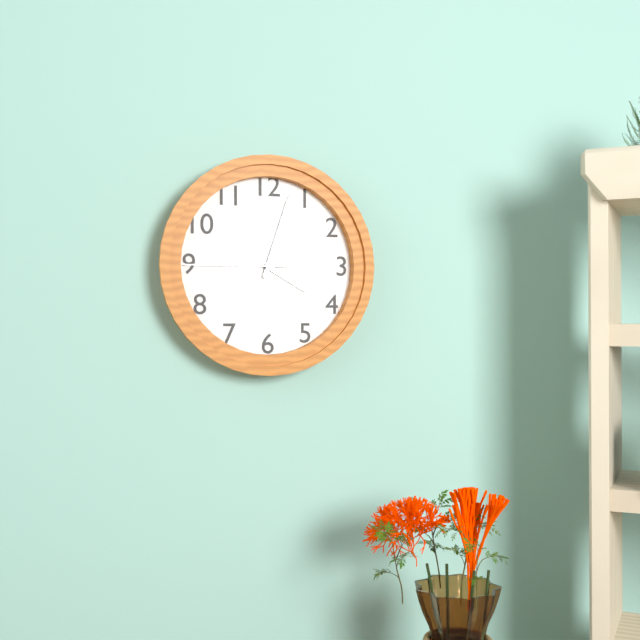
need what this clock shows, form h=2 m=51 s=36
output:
h=4 m=3 s=45
